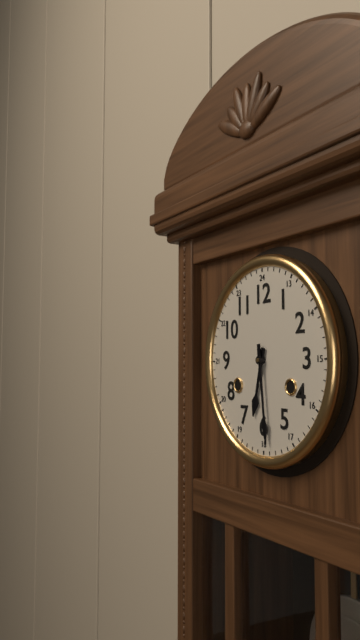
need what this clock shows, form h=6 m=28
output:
h=6 m=29
